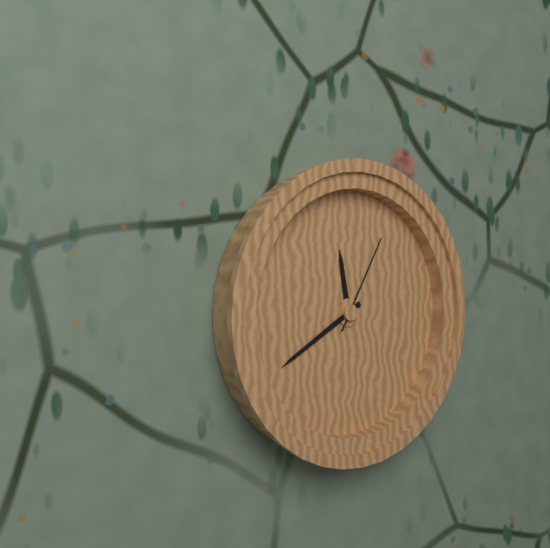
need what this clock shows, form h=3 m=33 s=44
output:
h=11 m=40 s=5
